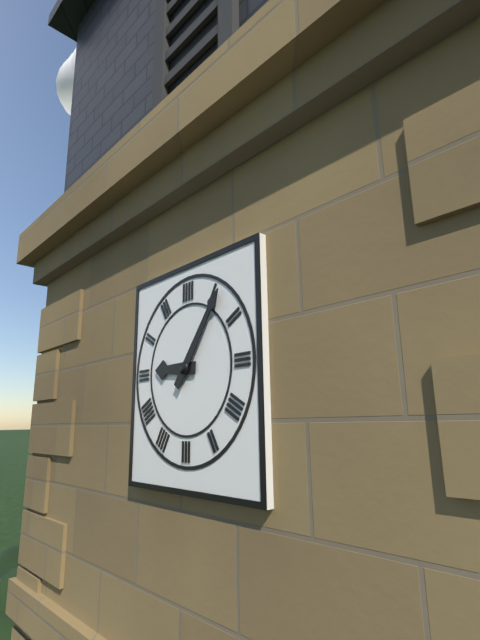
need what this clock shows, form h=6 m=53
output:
h=9 m=6
